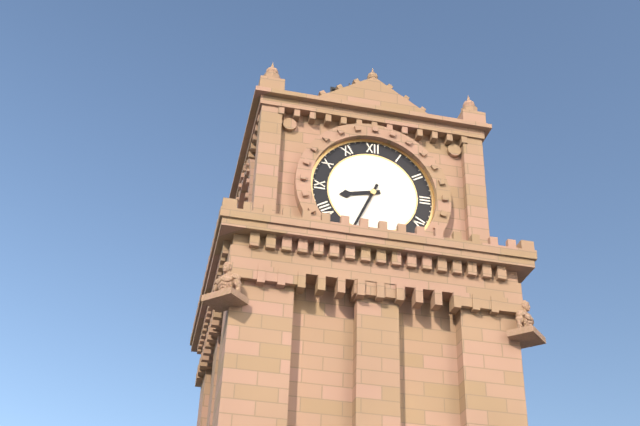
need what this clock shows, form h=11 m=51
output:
h=8 m=34
